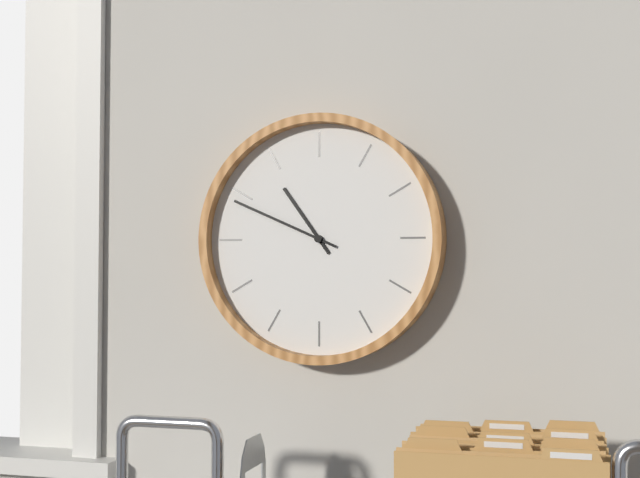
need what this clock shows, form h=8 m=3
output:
h=10 m=49
